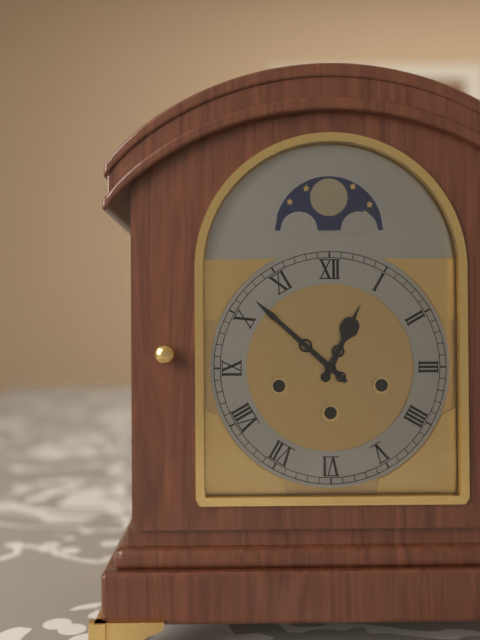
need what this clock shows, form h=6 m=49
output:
h=12 m=52
